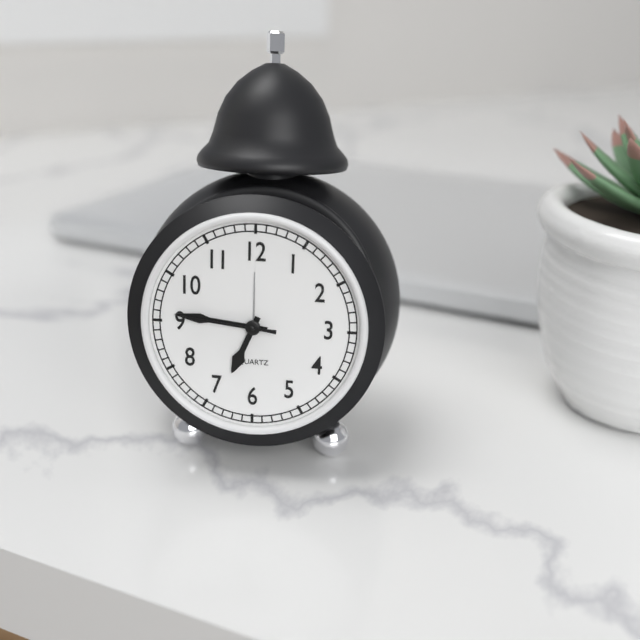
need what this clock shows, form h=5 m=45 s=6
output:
h=6 m=46 s=46
